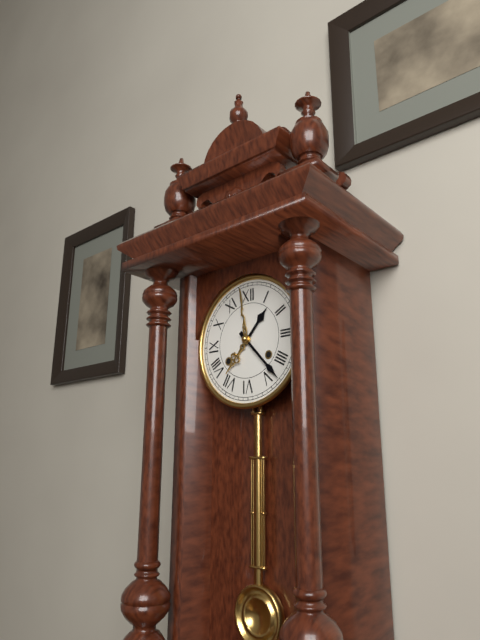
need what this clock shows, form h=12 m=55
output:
h=1 m=23
